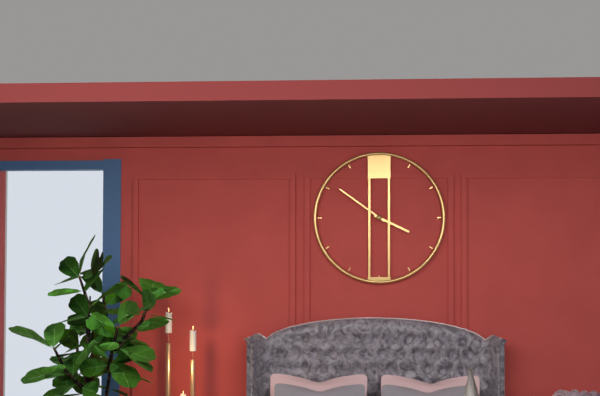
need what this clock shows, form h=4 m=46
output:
h=3 m=51
